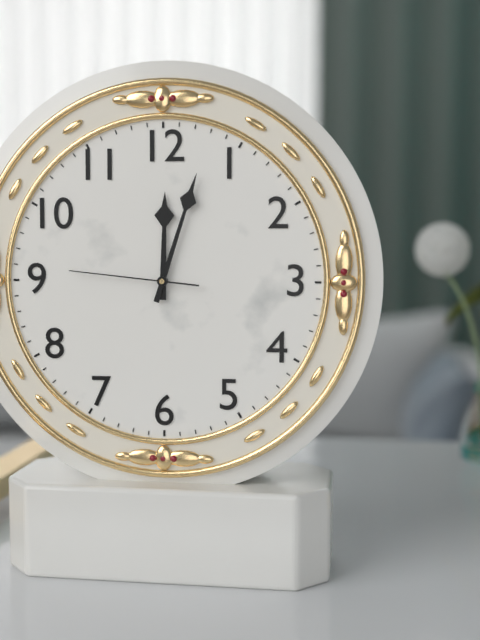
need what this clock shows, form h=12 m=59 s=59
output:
h=12 m=3 s=46
